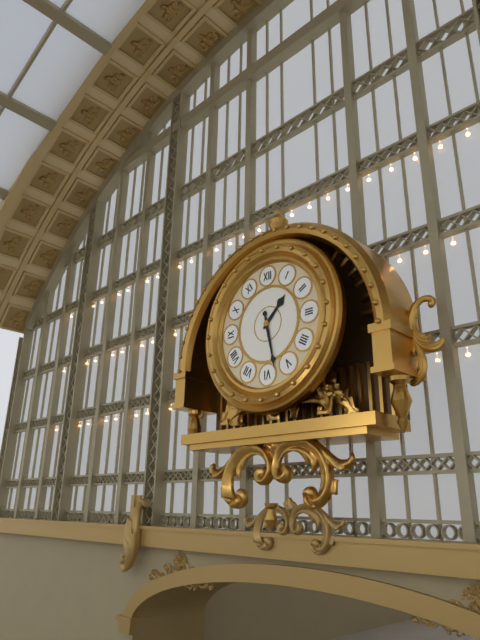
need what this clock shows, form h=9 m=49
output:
h=1 m=28
